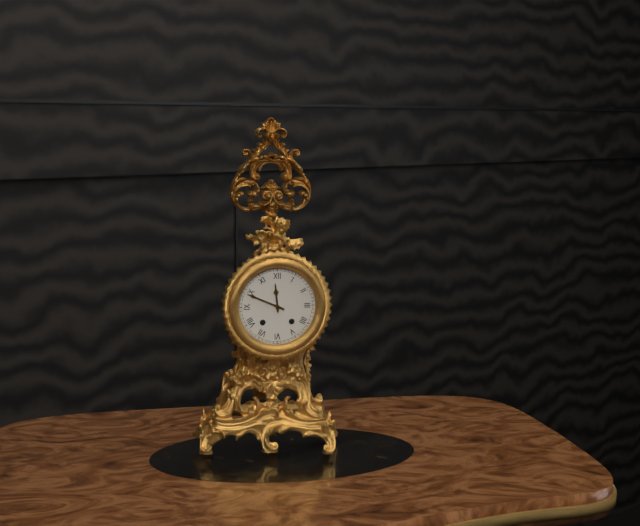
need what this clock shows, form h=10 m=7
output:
h=11 m=49
